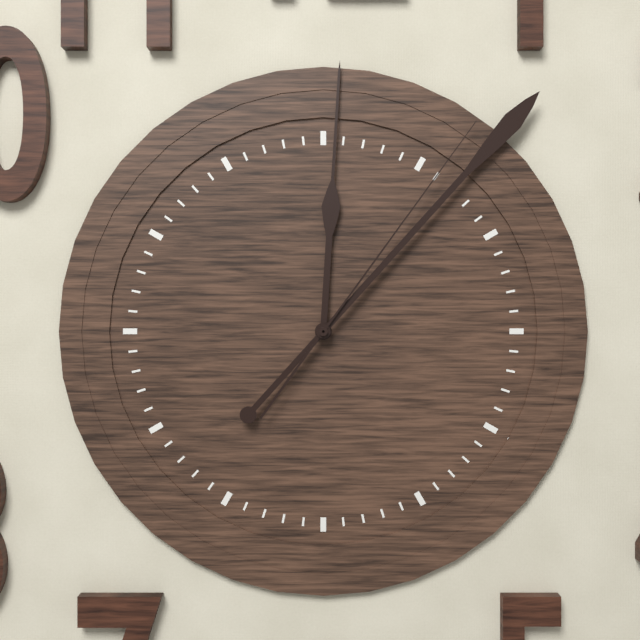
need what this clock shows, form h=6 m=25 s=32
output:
h=12 m=7 s=6
